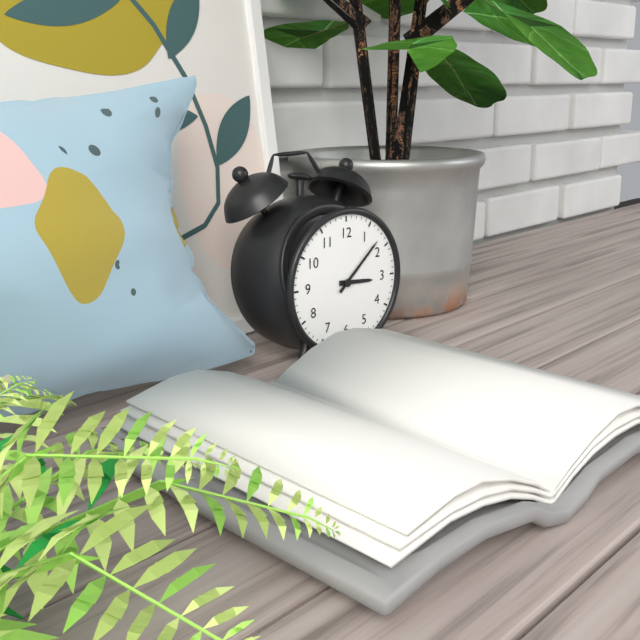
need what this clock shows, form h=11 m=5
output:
h=3 m=8
